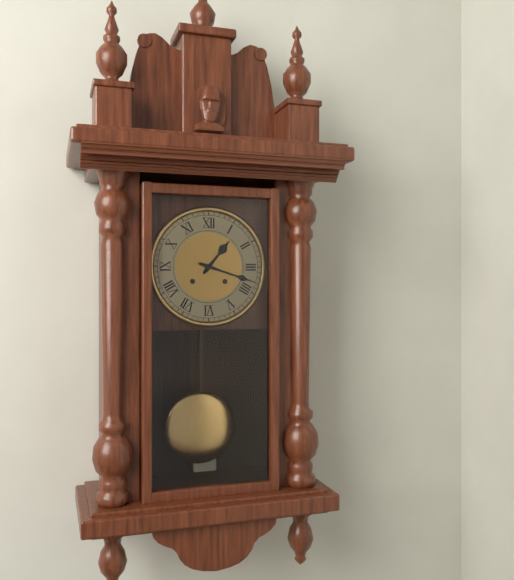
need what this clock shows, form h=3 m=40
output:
h=1 m=18
